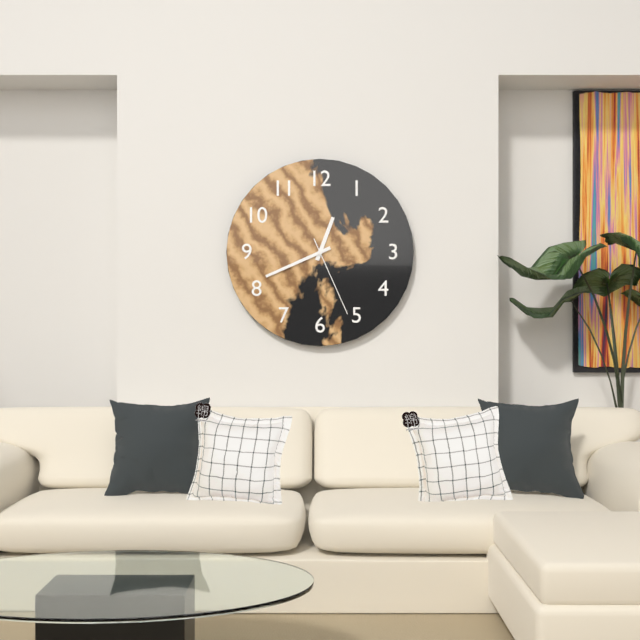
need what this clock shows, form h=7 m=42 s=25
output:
h=12 m=41 s=26
